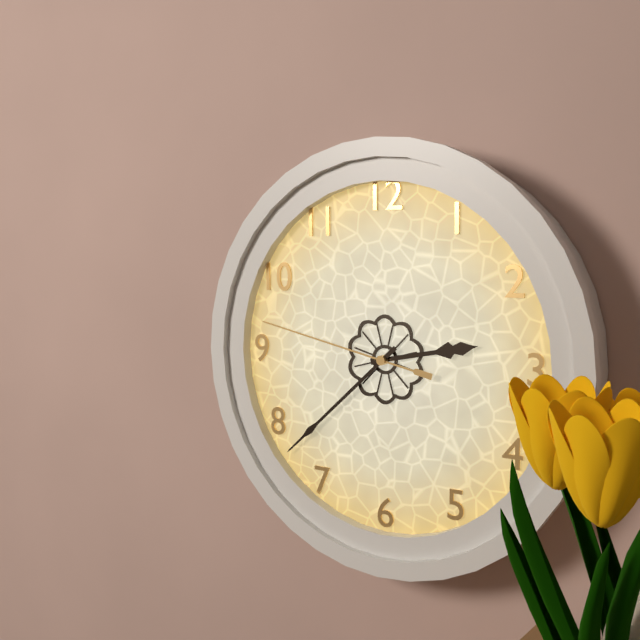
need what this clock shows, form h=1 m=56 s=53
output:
h=2 m=38 s=47
